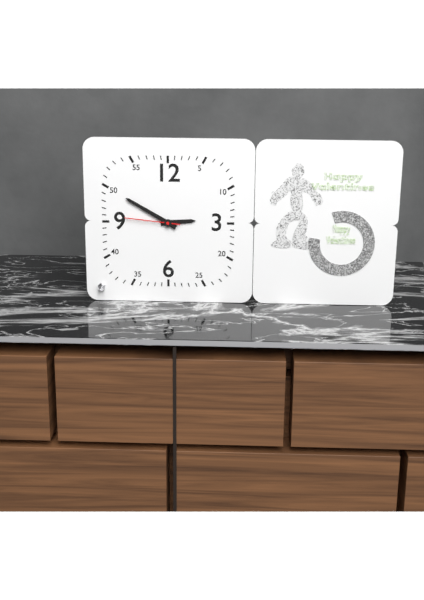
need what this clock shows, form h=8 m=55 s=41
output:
h=2 m=50 s=46
